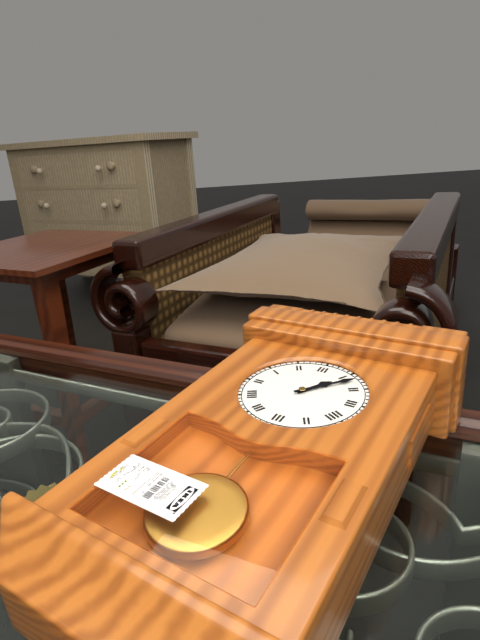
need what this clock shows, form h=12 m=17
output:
h=1 m=7
